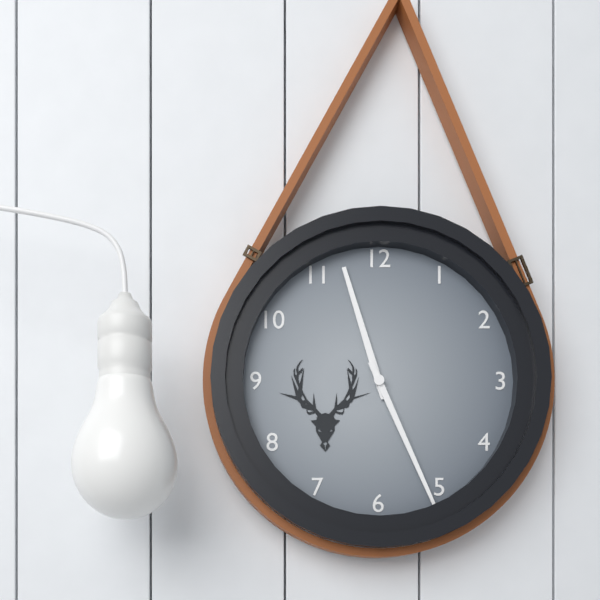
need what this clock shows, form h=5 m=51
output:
h=11 m=26
